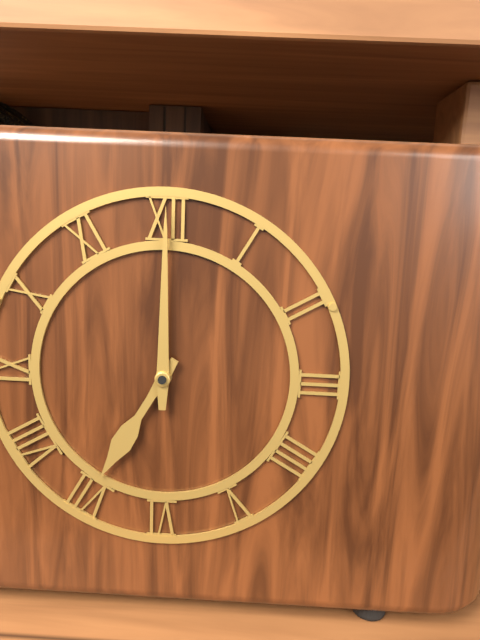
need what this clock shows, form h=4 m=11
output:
h=7 m=0
